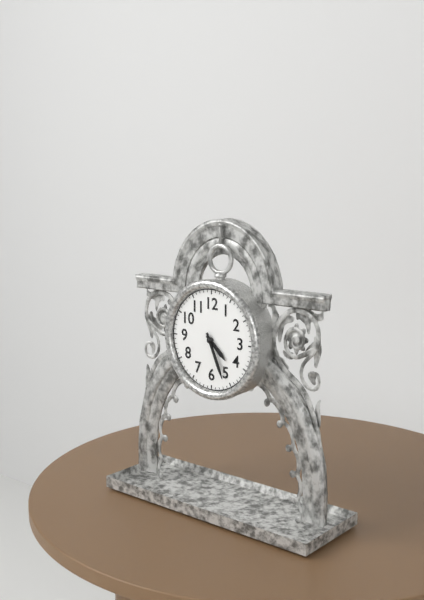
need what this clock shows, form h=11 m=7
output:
h=4 m=26
